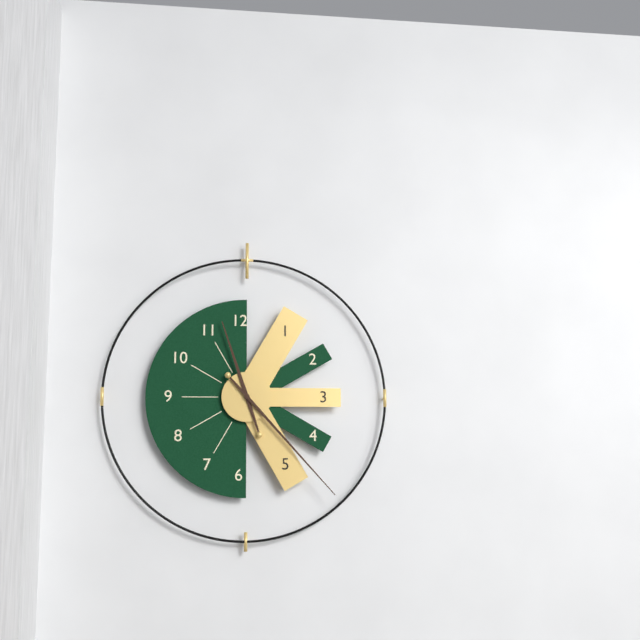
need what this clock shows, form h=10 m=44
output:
h=11 m=23
